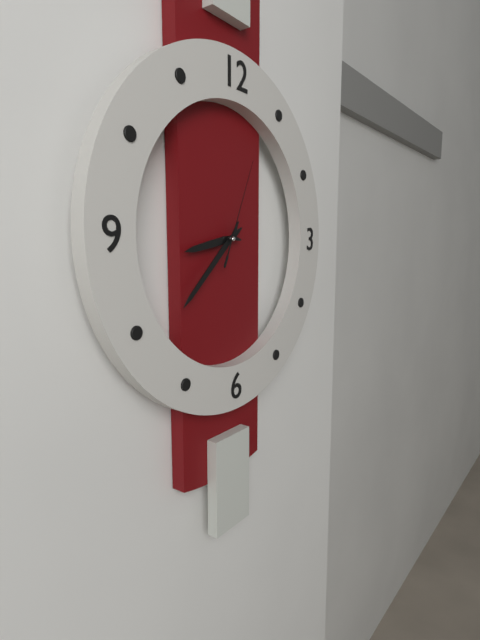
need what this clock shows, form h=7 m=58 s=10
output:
h=8 m=38 s=4
